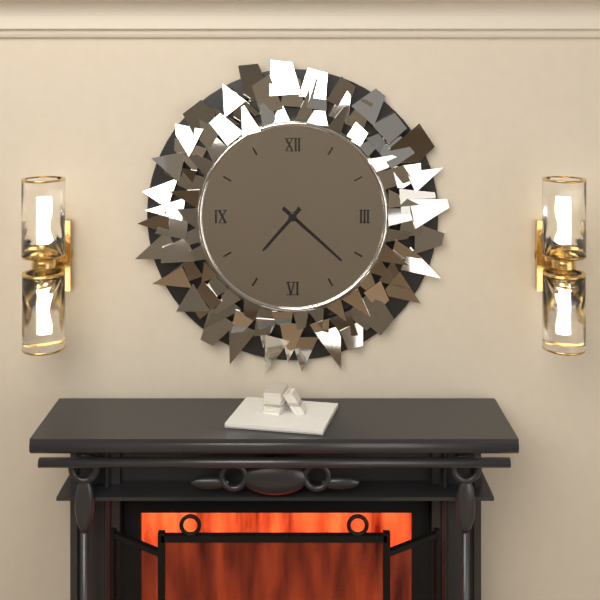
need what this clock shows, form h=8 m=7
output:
h=7 m=22
